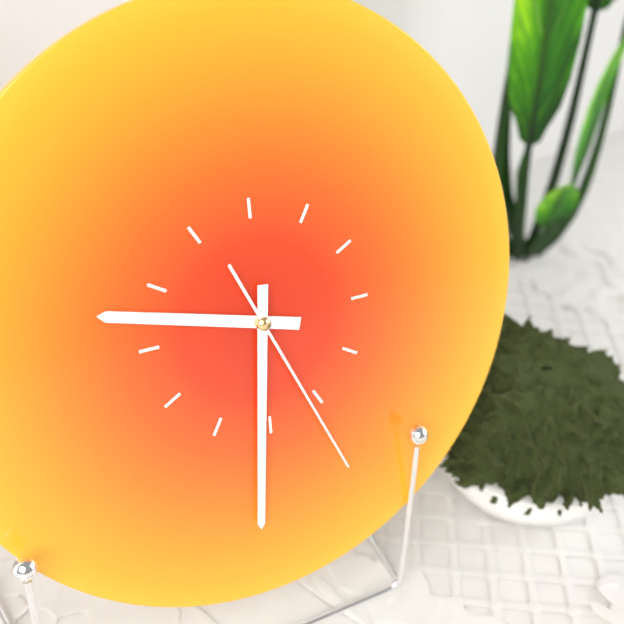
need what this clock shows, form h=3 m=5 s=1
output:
h=9 m=31 s=26
